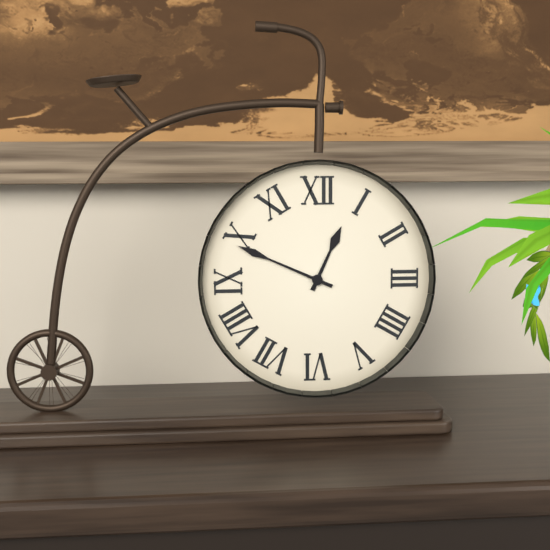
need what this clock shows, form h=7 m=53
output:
h=12 m=49
